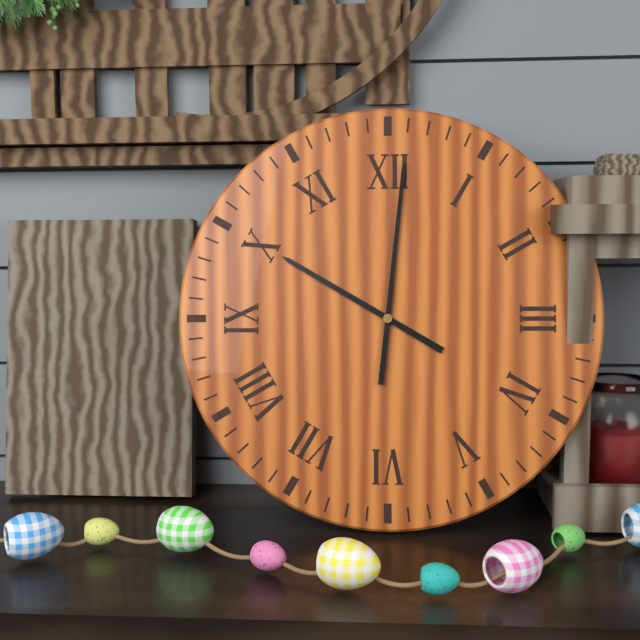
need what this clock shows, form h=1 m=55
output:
h=10 m=1
